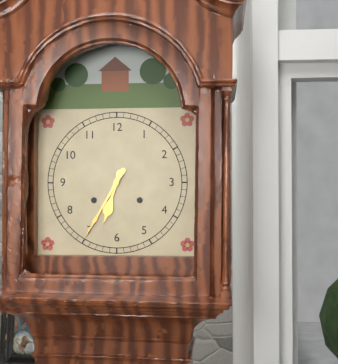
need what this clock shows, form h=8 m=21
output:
h=6 m=35
